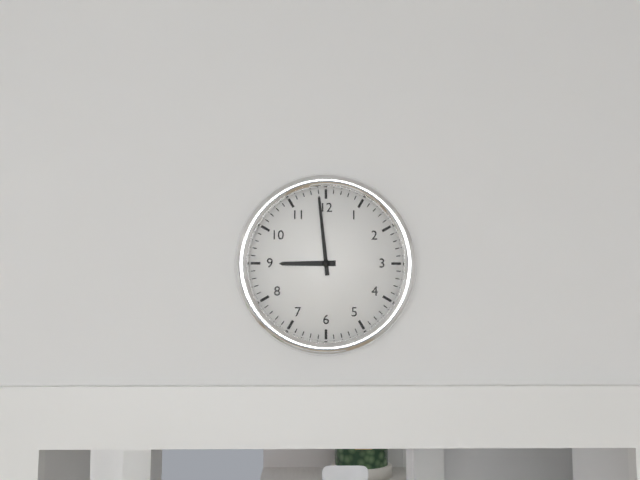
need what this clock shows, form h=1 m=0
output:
h=8 m=59
